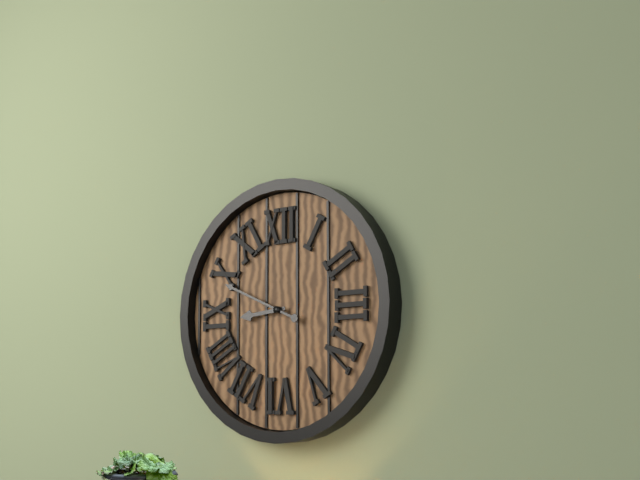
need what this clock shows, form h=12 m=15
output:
h=8 m=49
